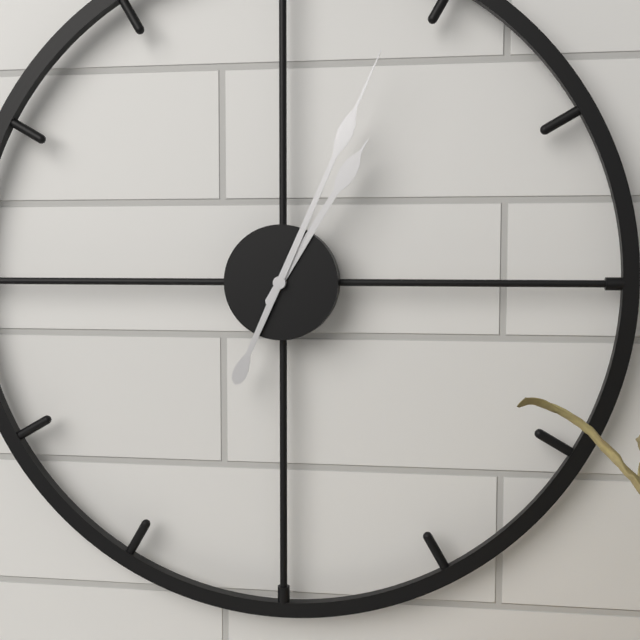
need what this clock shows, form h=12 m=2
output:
h=1 m=4
